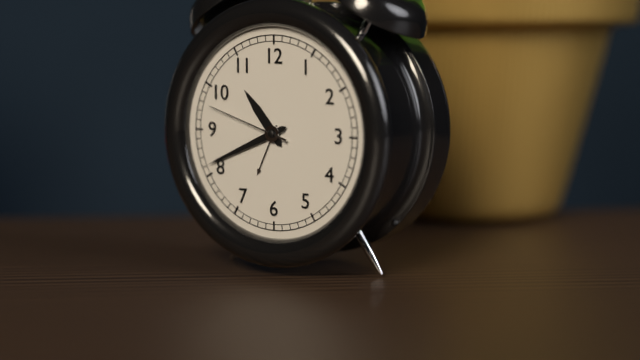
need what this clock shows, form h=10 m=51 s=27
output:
h=10 m=41 s=48
